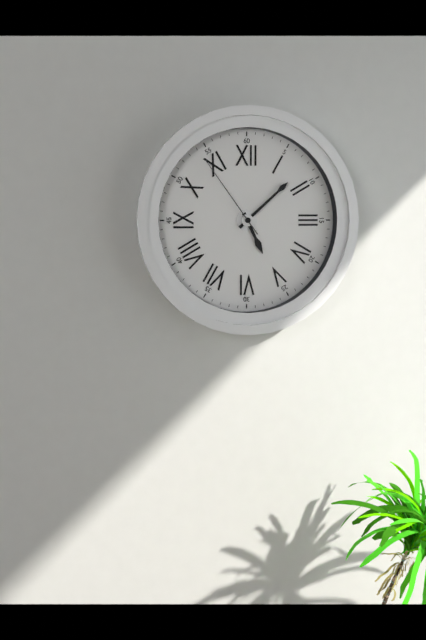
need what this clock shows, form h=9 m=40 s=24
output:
h=5 m=8 s=54
